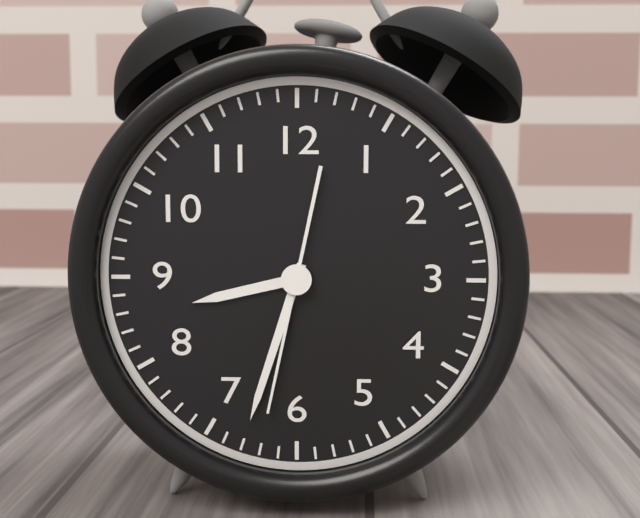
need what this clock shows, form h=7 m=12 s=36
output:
h=8 m=33 s=32
